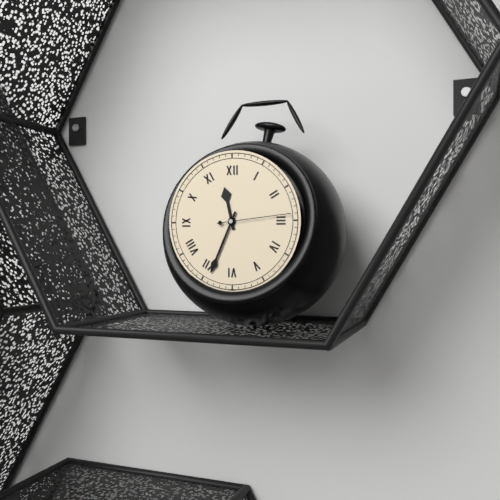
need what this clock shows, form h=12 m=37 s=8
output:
h=11 m=34 s=14
